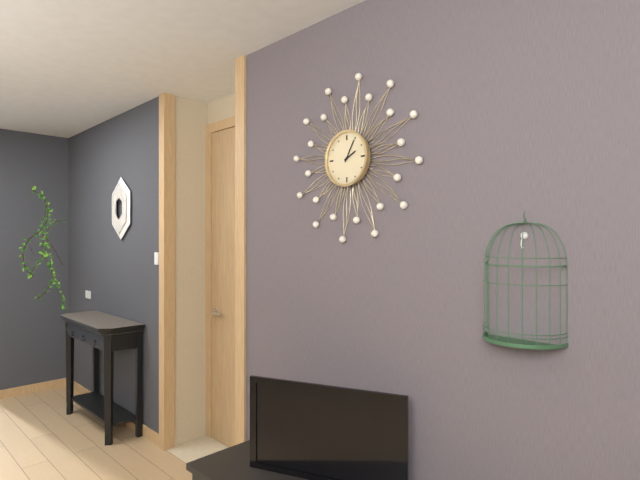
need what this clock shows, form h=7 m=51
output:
h=2 m=5
